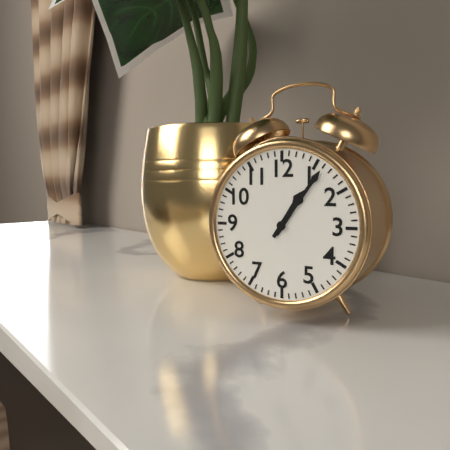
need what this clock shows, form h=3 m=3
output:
h=1 m=6
